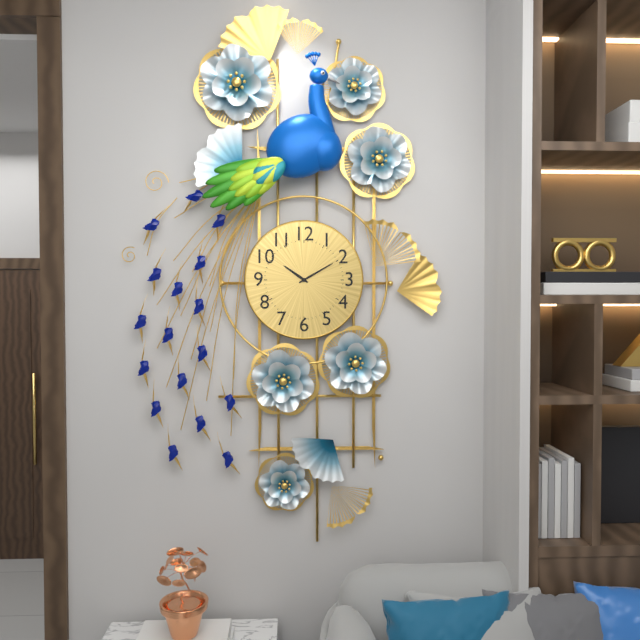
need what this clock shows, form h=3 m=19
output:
h=10 m=10
